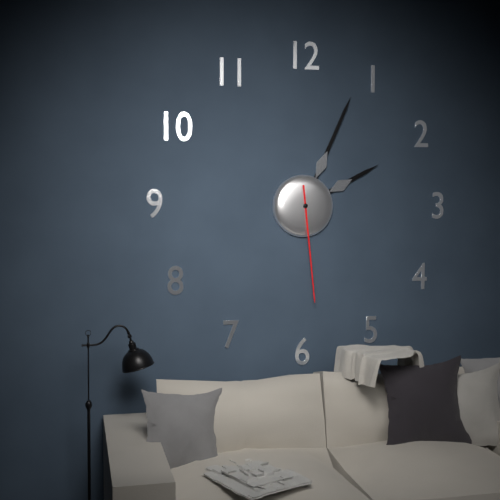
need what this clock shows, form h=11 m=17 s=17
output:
h=2 m=4 s=29
